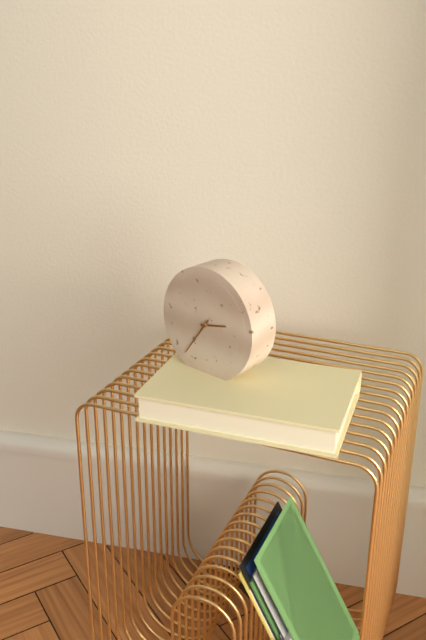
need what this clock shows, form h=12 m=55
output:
h=2 m=36
